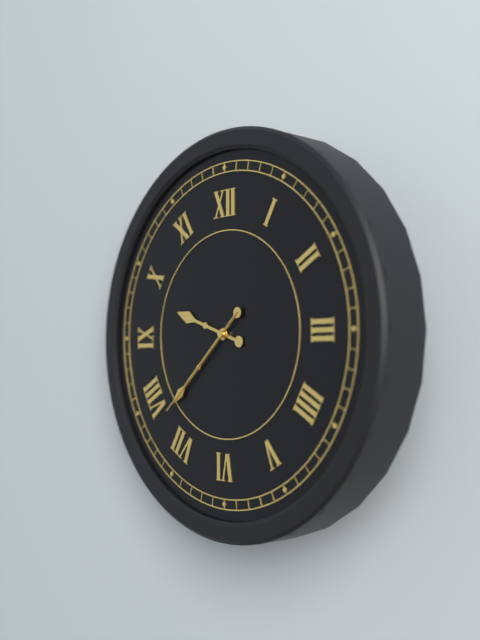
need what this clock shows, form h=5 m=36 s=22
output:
h=9 m=38 s=38
